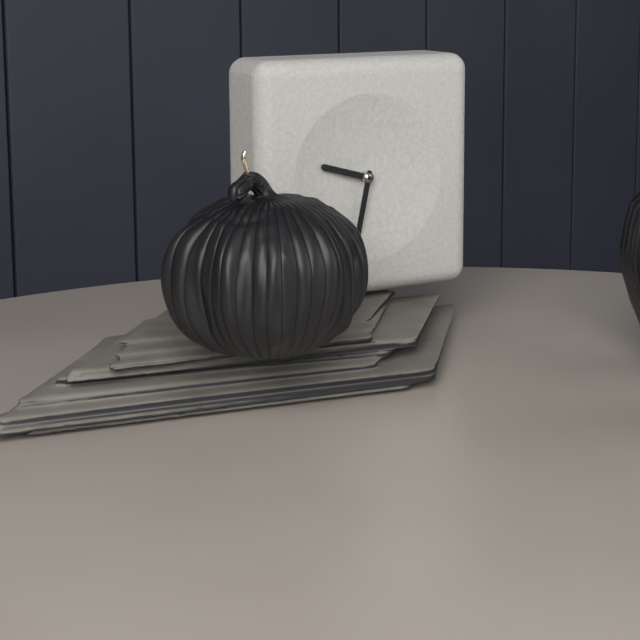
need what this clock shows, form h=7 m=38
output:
h=9 m=32
